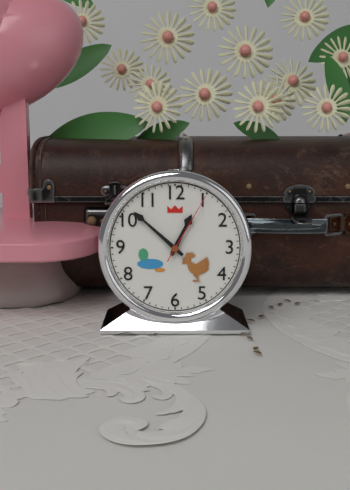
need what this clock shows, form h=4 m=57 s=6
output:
h=12 m=52 s=5
